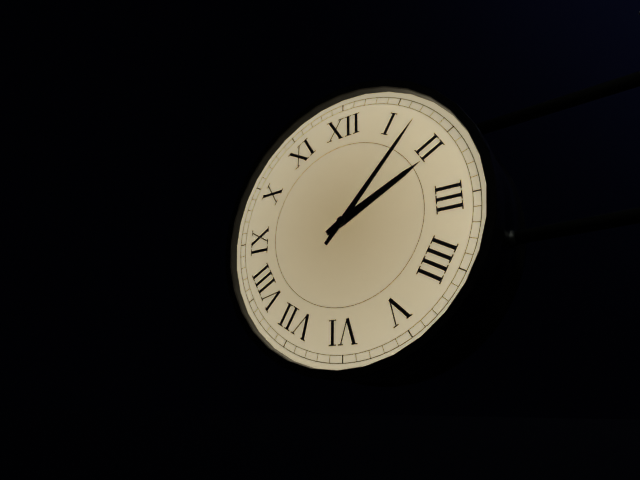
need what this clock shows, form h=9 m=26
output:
h=2 m=7
